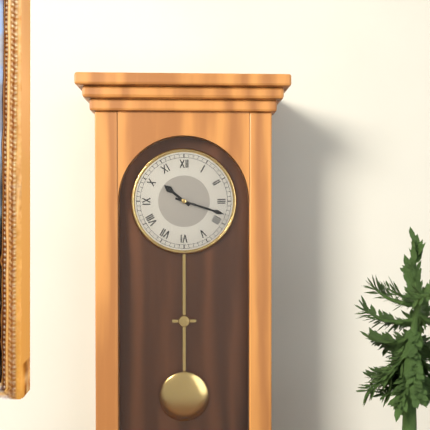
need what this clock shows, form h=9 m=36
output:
h=10 m=18
